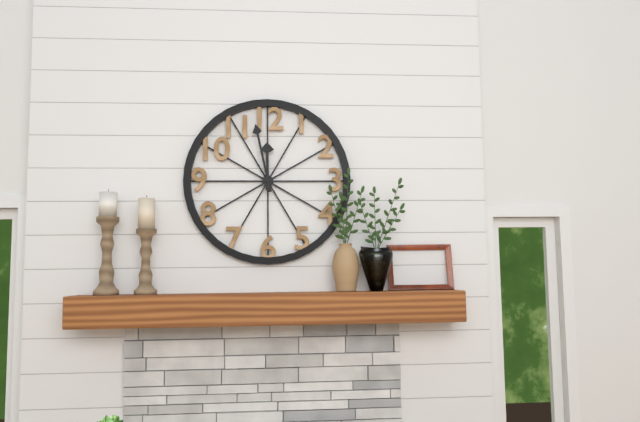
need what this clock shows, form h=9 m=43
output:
h=11 m=58
